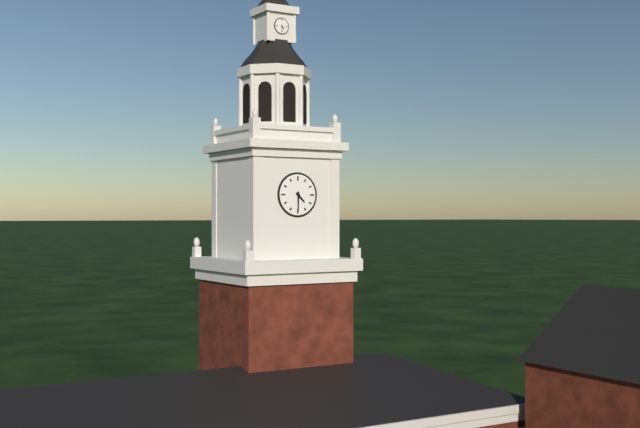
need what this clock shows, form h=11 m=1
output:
h=4 m=30
